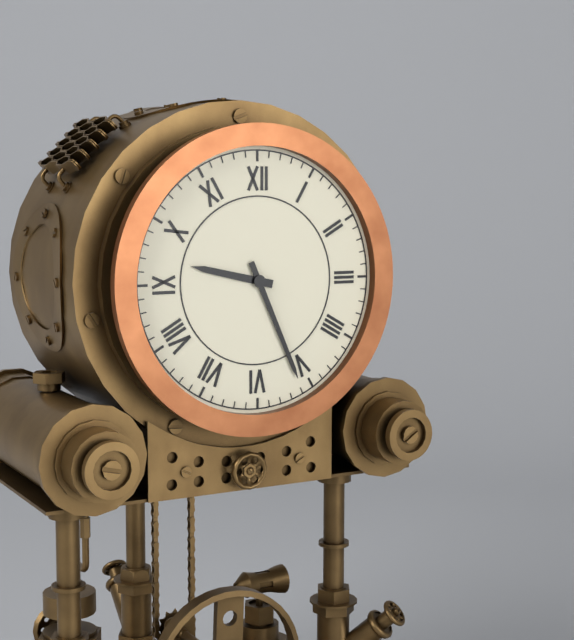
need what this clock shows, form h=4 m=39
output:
h=9 m=26
